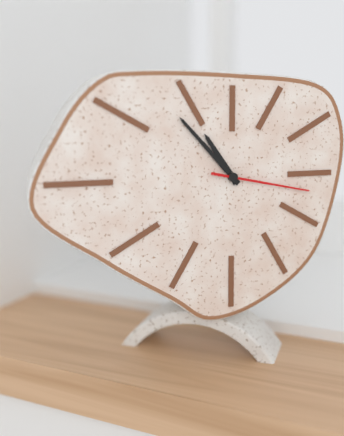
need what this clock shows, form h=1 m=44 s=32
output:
h=10 m=53 s=17
